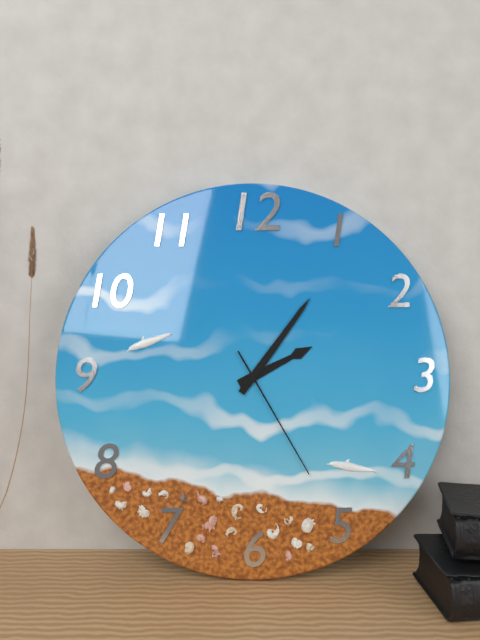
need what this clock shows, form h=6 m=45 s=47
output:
h=2 m=6 s=25
